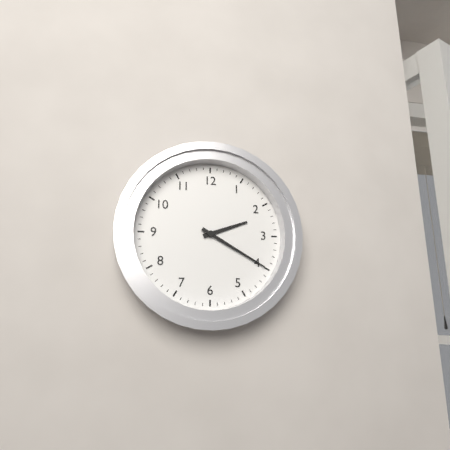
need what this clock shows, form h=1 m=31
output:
h=2 m=20
